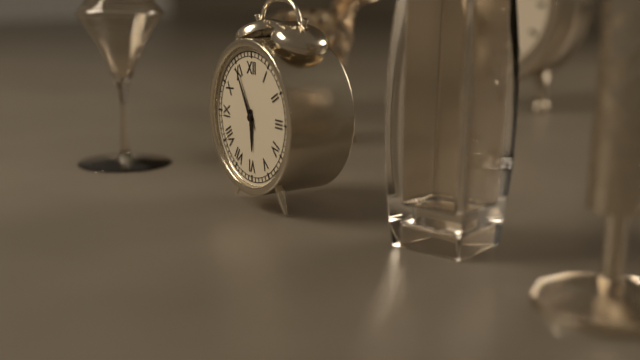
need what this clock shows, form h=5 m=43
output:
h=5 m=55
